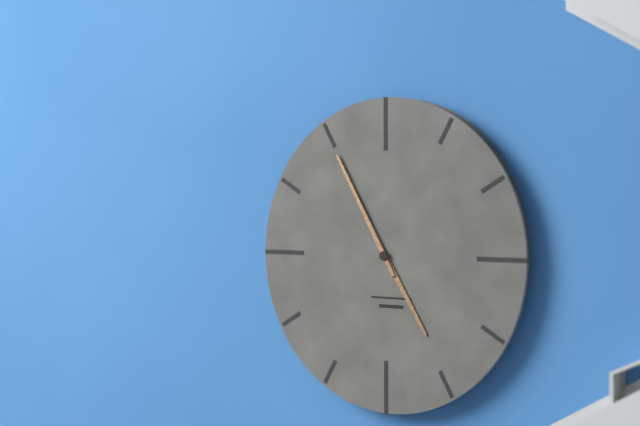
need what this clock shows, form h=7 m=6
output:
h=4 m=55
